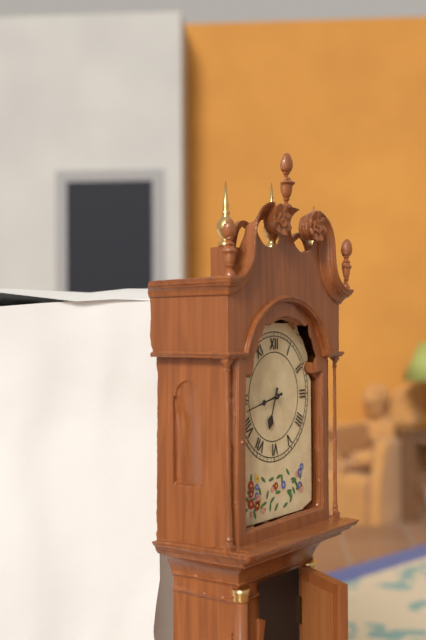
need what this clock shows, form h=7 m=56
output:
h=6 m=43
